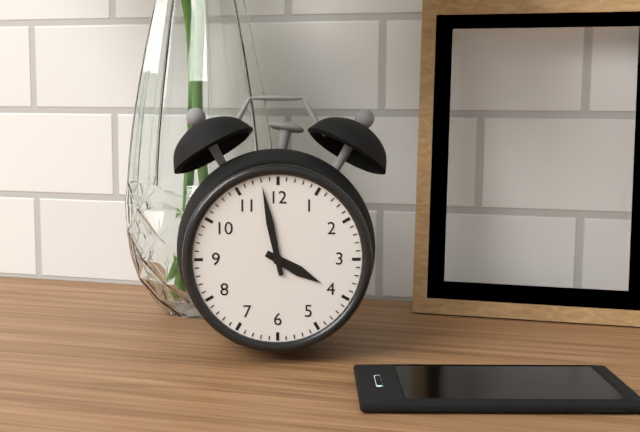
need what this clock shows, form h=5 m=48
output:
h=3 m=58
